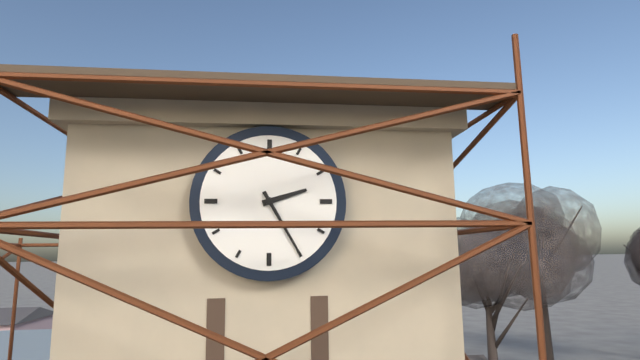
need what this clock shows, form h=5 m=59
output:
h=2 m=25
